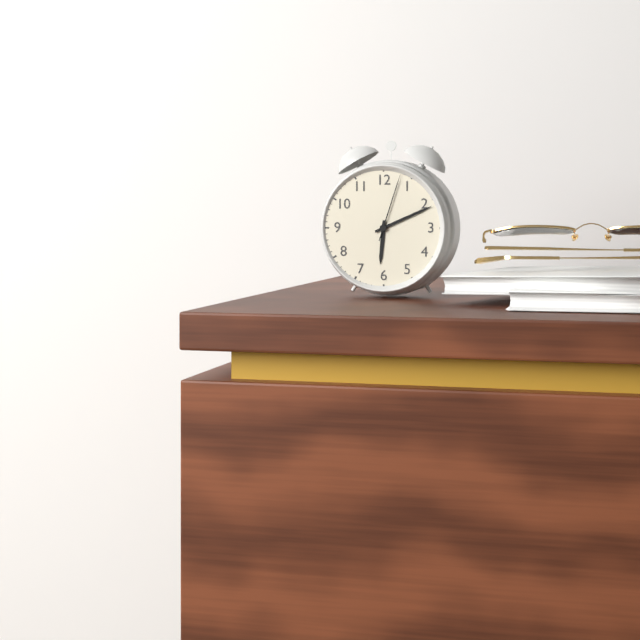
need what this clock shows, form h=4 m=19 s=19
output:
h=6 m=11 s=3
